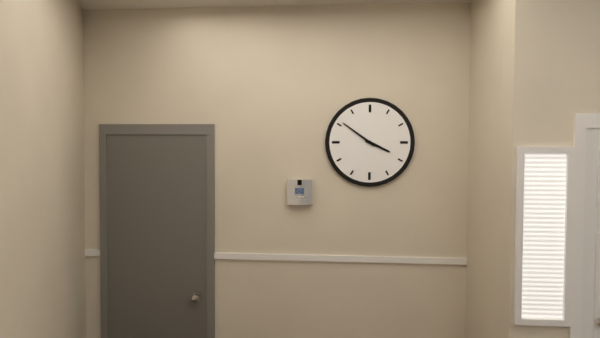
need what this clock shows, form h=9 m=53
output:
h=3 m=51
